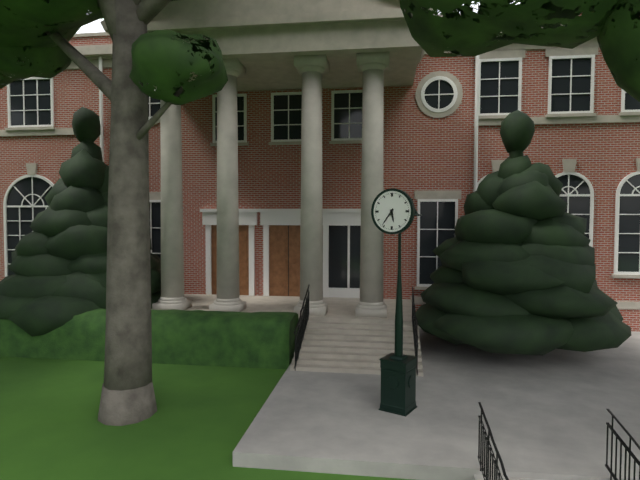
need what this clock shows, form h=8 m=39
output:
h=5 m=36
